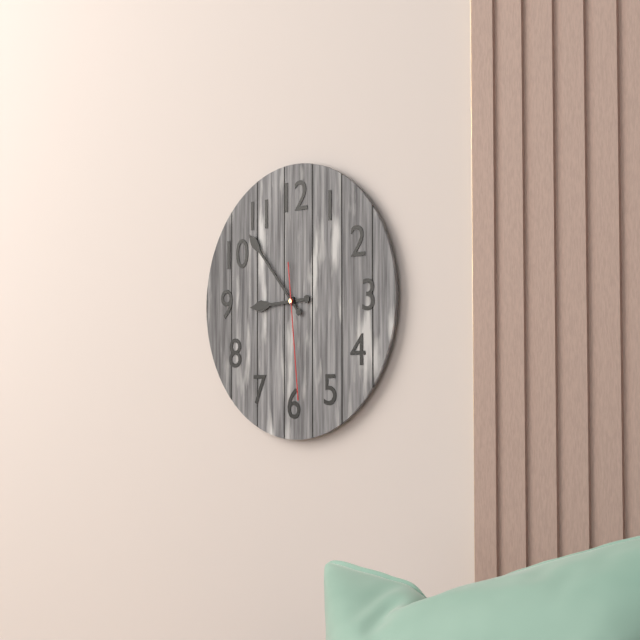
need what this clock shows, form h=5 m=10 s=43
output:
h=8 m=53 s=29
